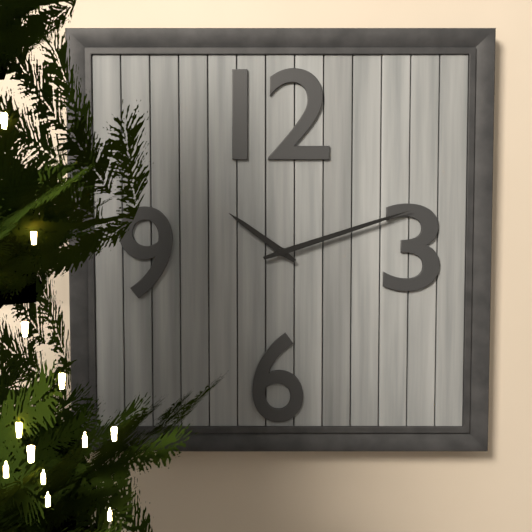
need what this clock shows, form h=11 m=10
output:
h=10 m=12
